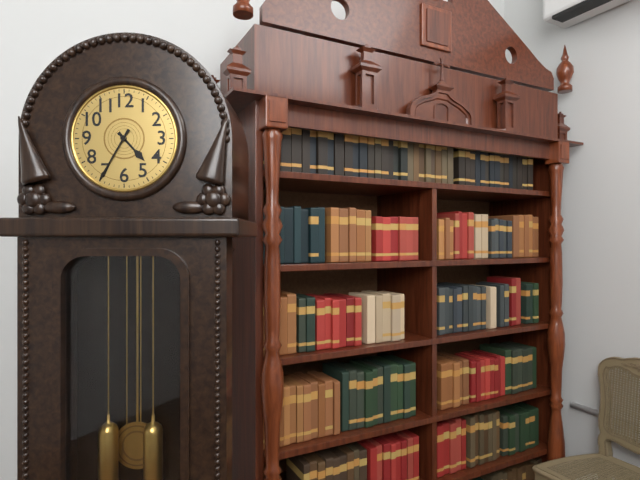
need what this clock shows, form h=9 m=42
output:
h=4 m=35
